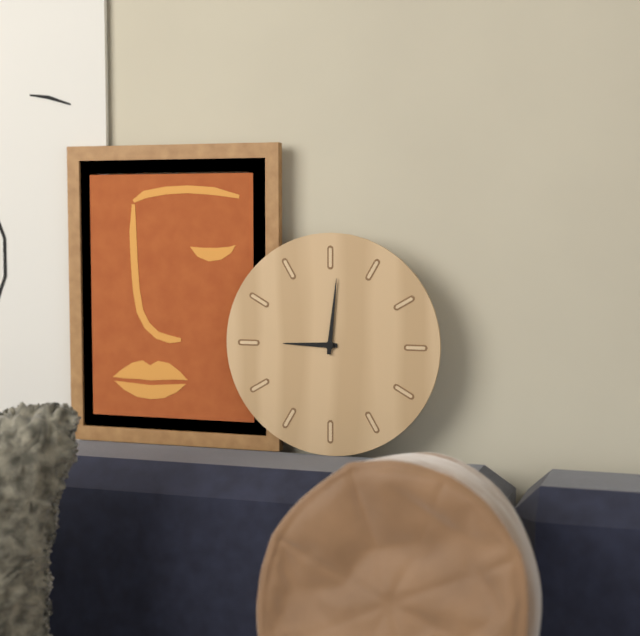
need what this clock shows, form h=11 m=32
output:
h=9 m=1
